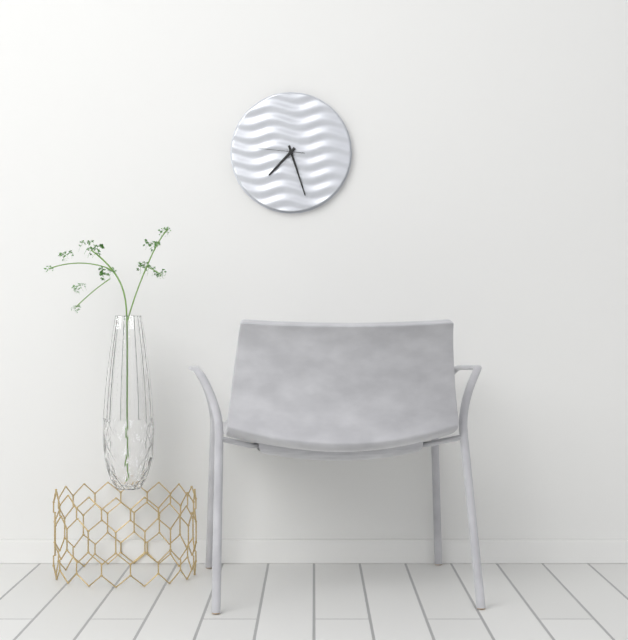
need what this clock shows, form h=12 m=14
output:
h=7 m=27
